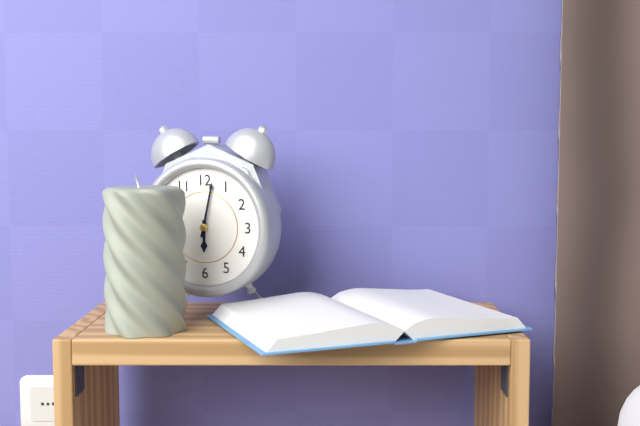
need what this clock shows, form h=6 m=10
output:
h=6 m=2
